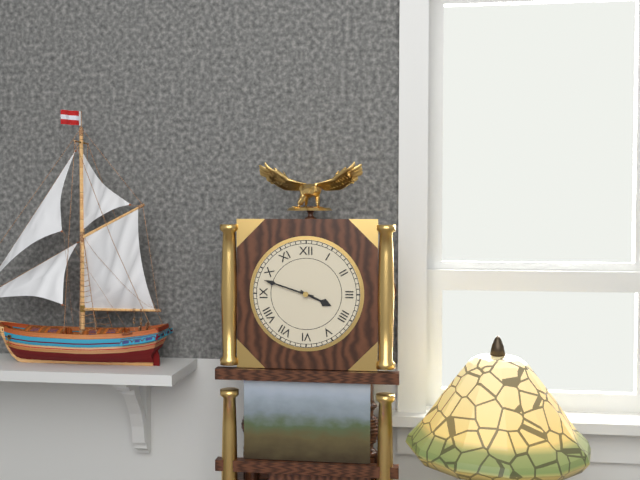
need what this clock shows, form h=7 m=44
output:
h=3 m=48
